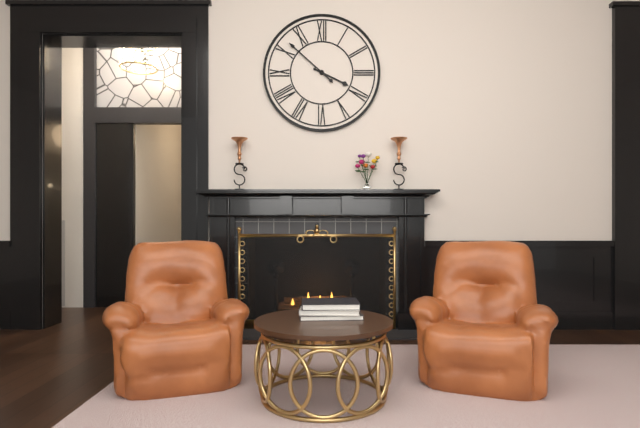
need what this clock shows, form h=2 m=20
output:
h=3 m=52
